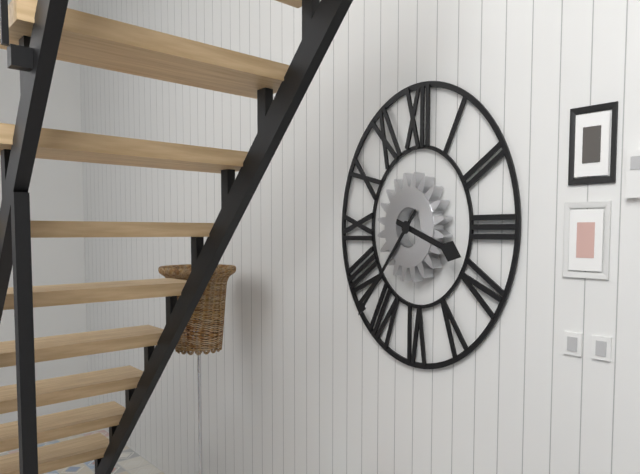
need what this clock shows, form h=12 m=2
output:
h=3 m=37
